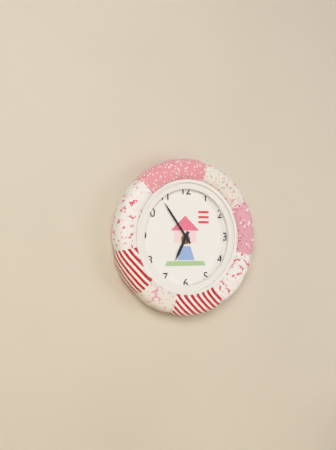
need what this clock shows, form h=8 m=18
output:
h=6 m=54
